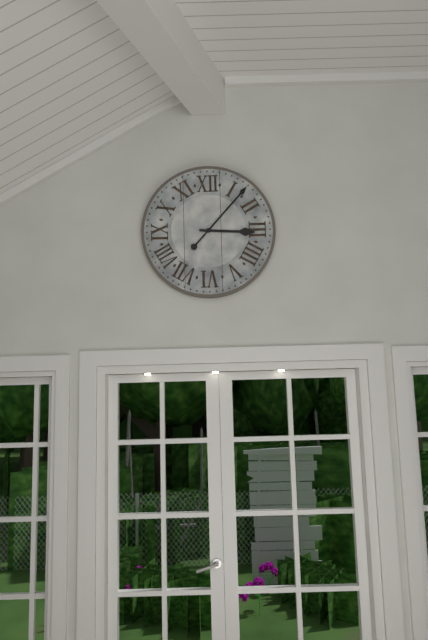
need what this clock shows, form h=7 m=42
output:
h=3 m=7
